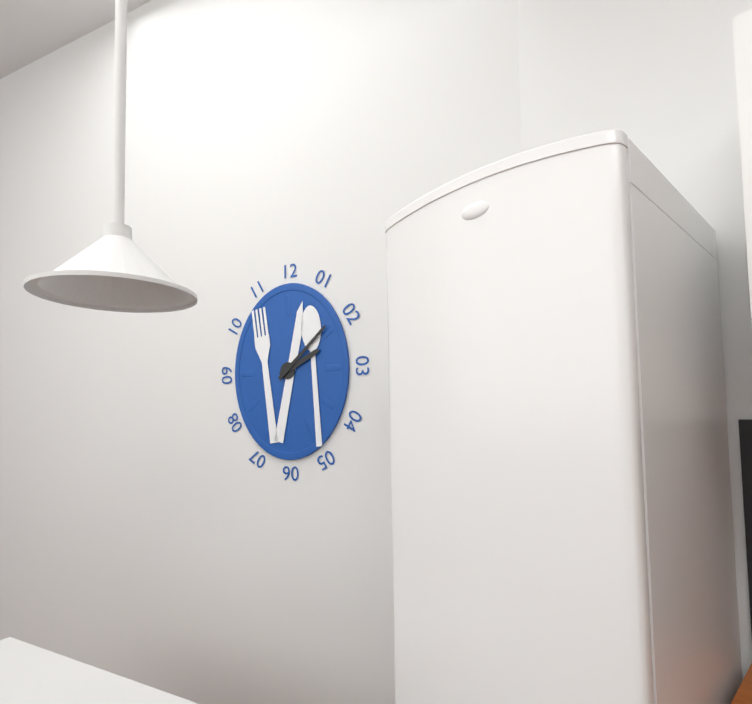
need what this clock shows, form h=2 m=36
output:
h=2 m=8
